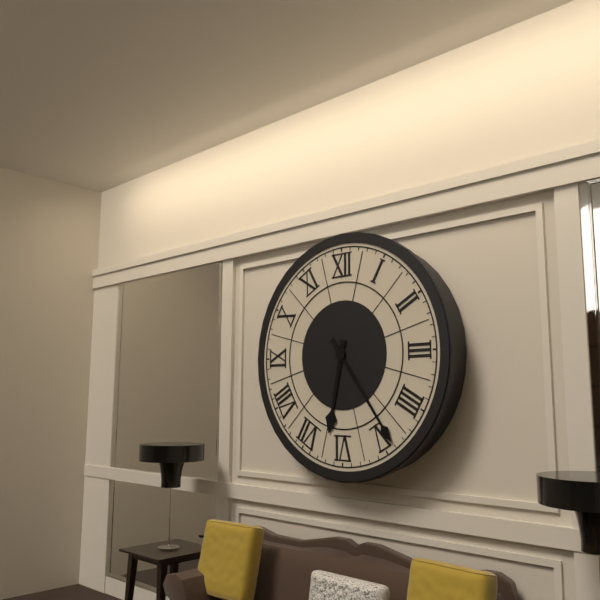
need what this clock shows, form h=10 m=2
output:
h=6 m=24
